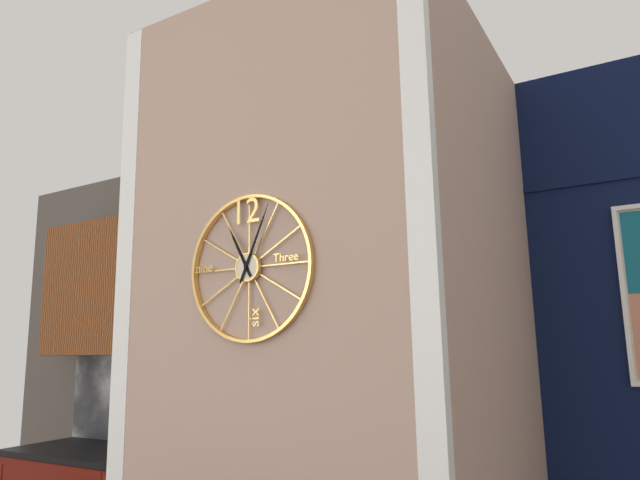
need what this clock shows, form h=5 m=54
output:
h=11 m=4
